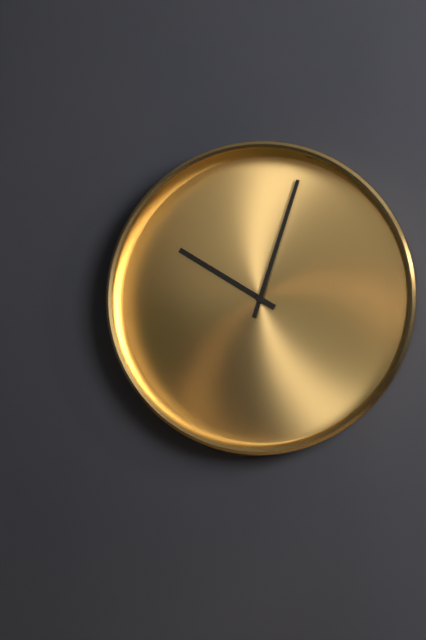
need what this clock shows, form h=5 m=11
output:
h=10 m=3
